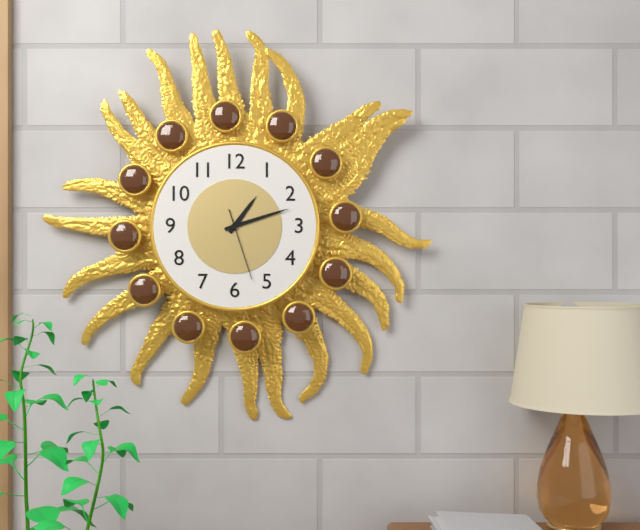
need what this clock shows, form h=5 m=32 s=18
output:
h=1 m=12 s=27
